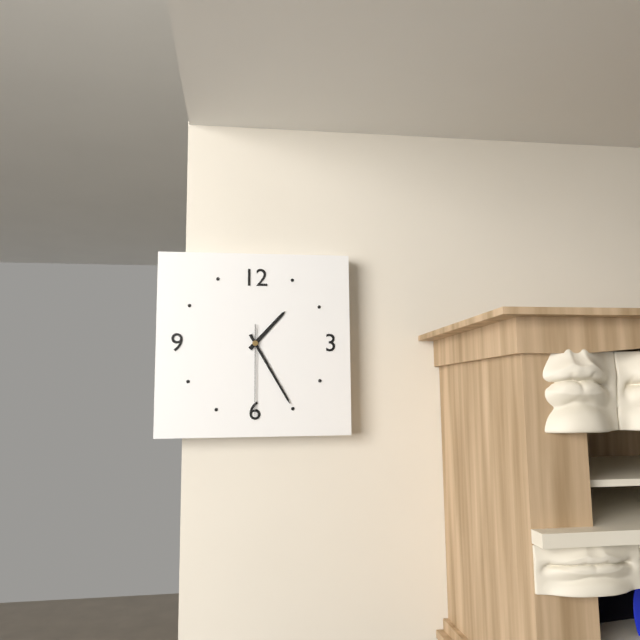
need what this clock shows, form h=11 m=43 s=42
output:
h=1 m=25 s=30
